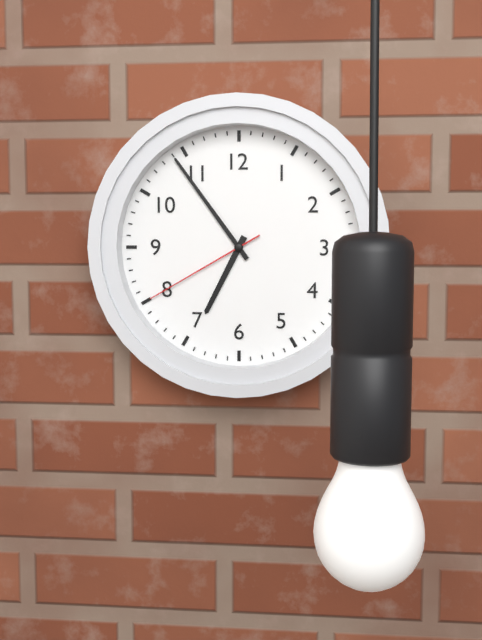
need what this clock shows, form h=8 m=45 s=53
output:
h=6 m=54 s=40
